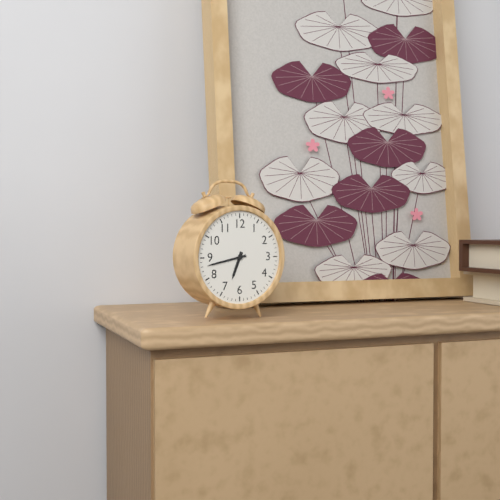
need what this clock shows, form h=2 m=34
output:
h=6 m=43
